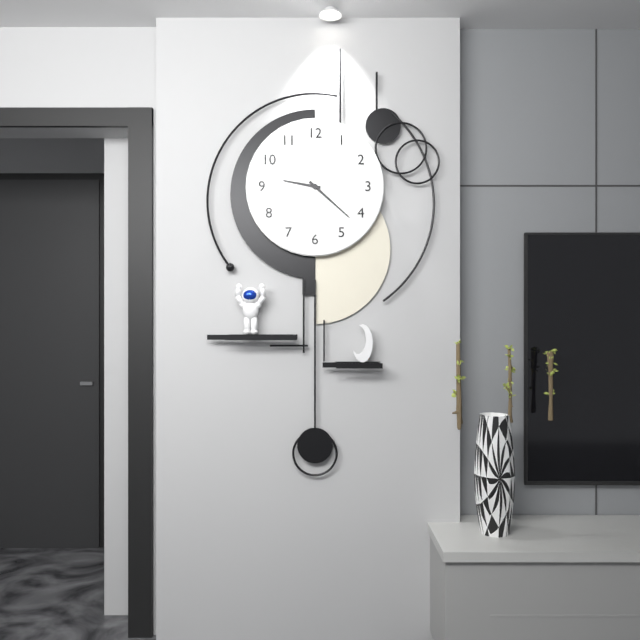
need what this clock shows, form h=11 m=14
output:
h=9 m=22
